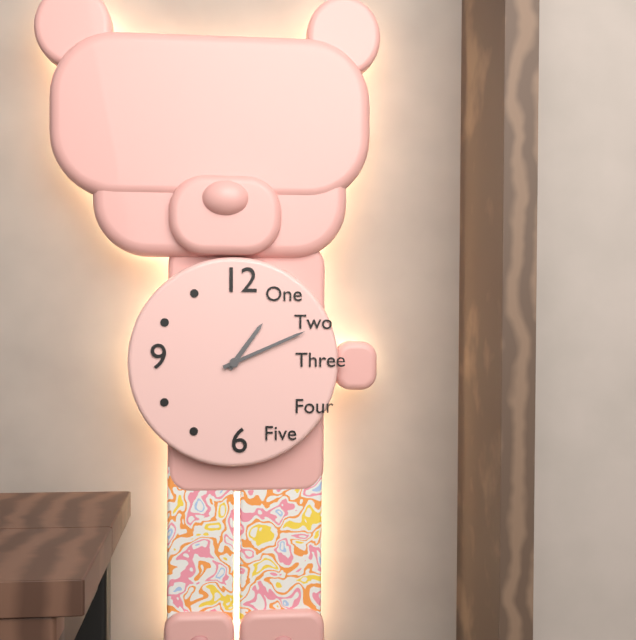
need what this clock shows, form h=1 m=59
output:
h=1 m=11
